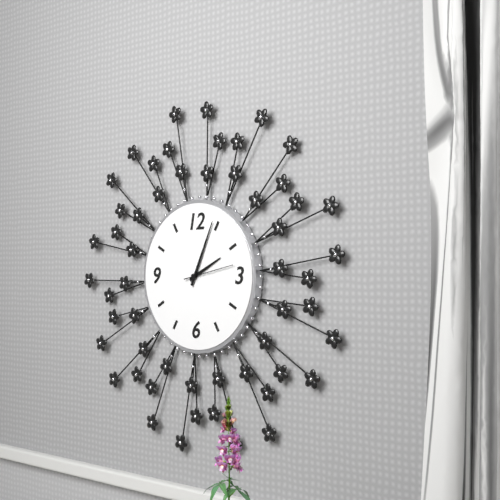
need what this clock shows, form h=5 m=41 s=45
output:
h=2 m=4 s=13
